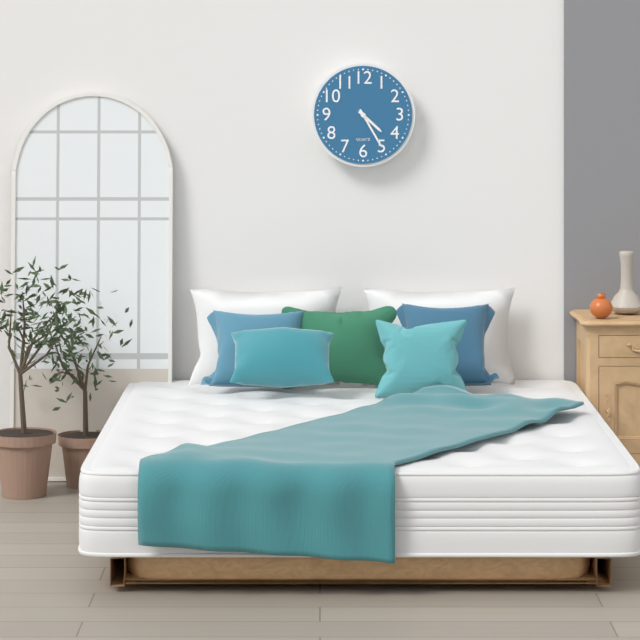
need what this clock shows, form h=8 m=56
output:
h=4 m=25
